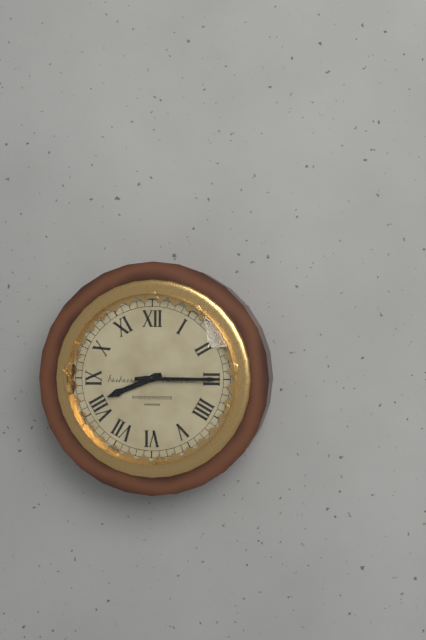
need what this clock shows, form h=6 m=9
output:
h=8 m=15
